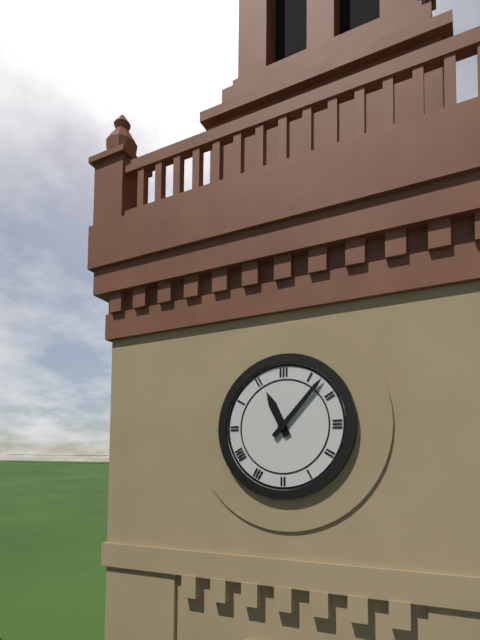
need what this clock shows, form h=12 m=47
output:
h=11 m=7
